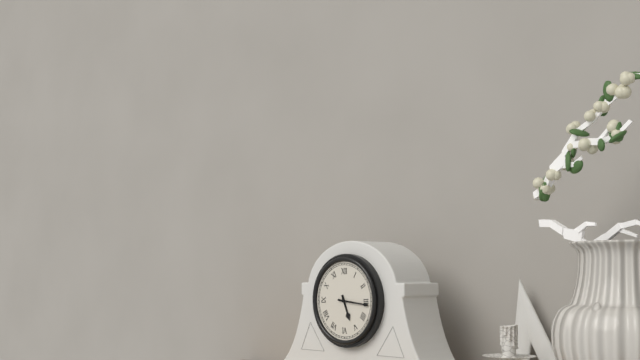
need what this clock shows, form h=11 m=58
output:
h=5 m=16
